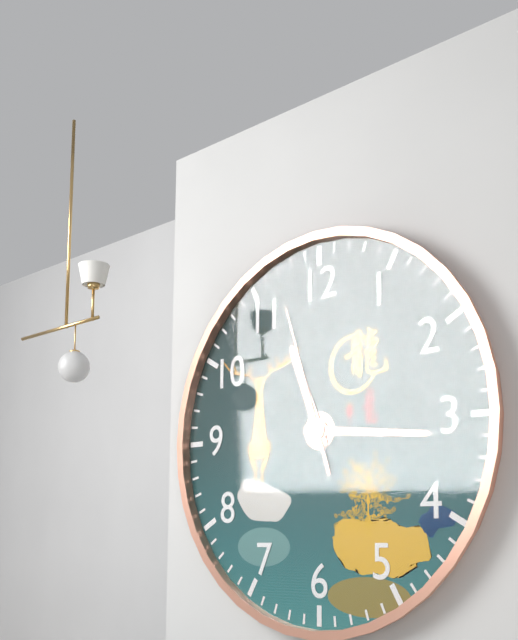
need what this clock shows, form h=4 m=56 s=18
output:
h=11 m=16 s=57
